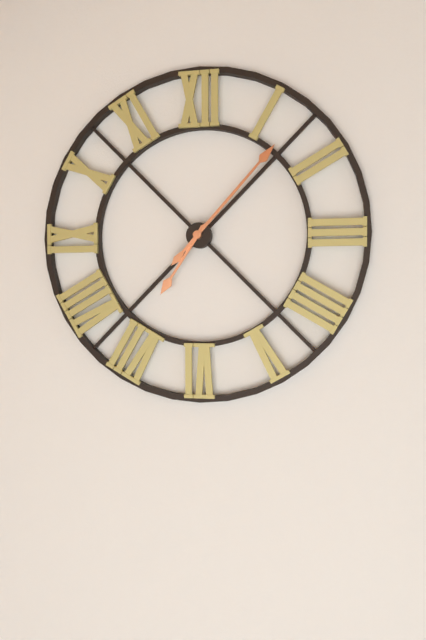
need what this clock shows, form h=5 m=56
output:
h=7 m=7
